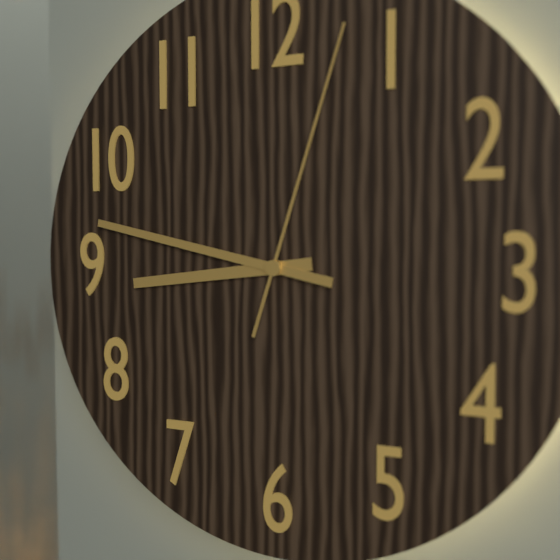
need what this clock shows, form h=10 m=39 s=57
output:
h=8 m=47 s=3
